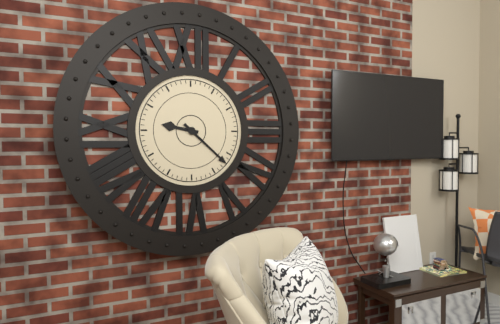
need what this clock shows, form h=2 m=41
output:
h=9 m=22
